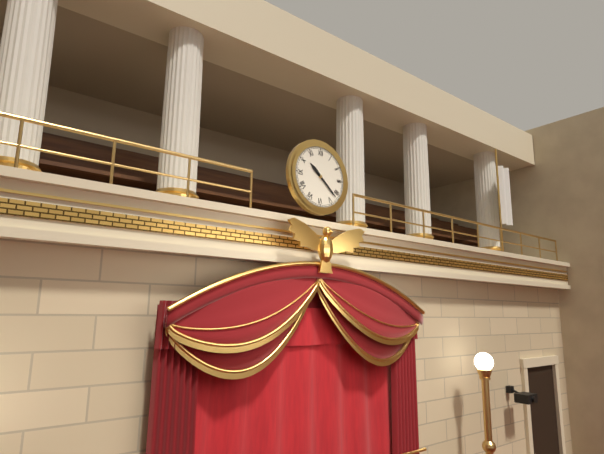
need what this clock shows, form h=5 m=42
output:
h=10 m=22
